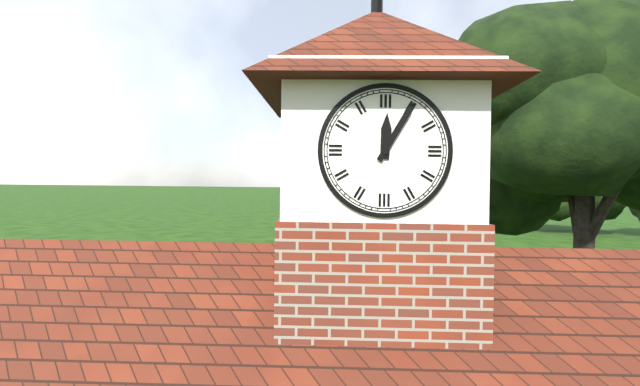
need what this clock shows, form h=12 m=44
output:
h=12 m=5
